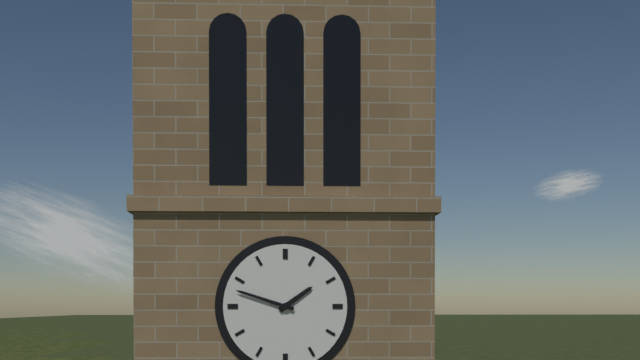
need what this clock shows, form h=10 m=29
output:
h=1 m=48
